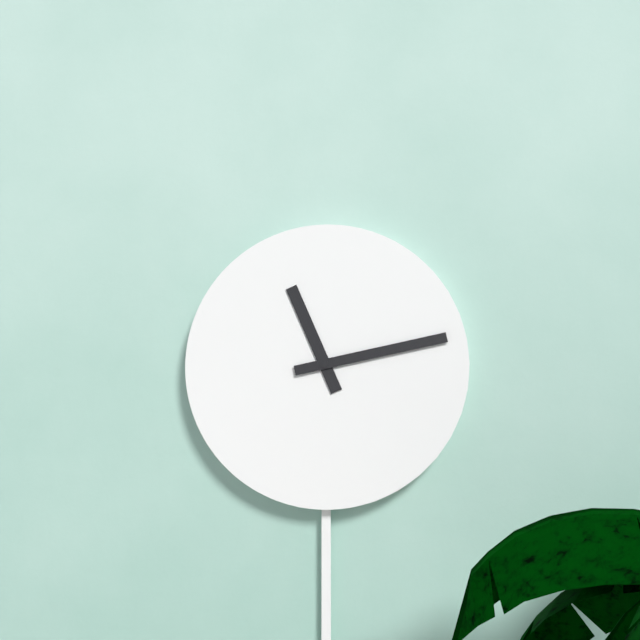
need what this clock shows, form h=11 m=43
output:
h=11 m=13
